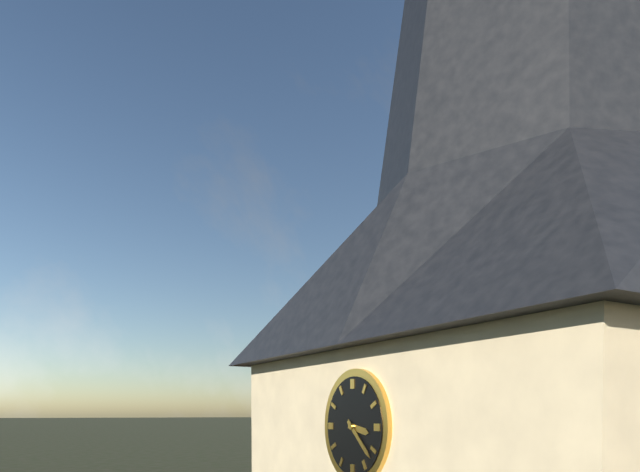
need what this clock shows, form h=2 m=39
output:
h=3 m=22
